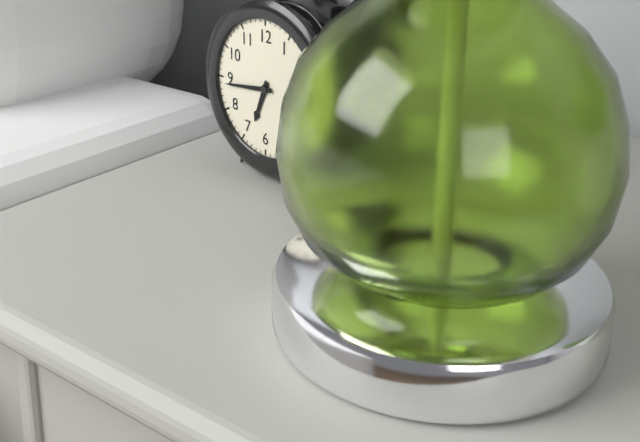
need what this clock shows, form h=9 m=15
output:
h=6 m=44
